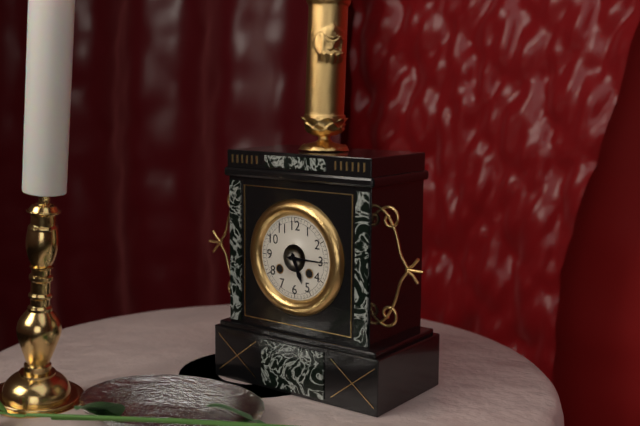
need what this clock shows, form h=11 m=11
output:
h=5 m=15
